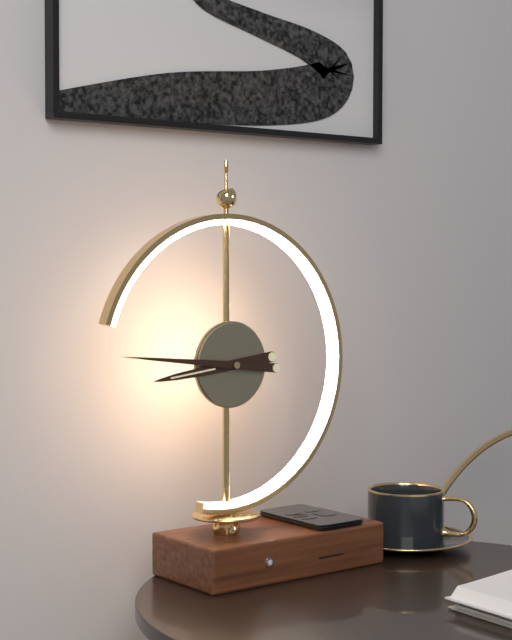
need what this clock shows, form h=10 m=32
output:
h=8 m=46
